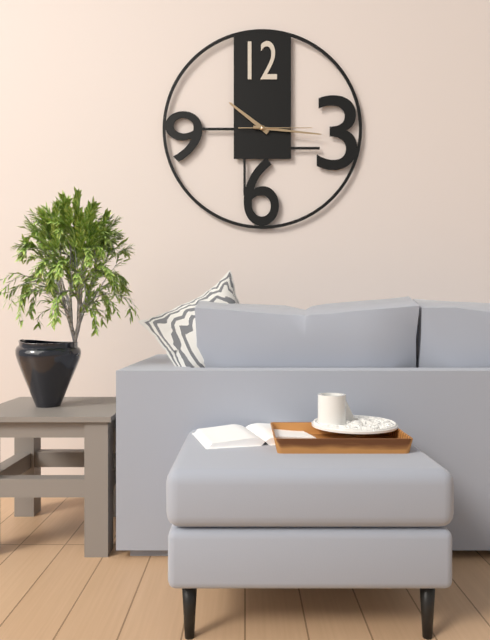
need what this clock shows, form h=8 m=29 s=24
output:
h=10 m=16 s=15
